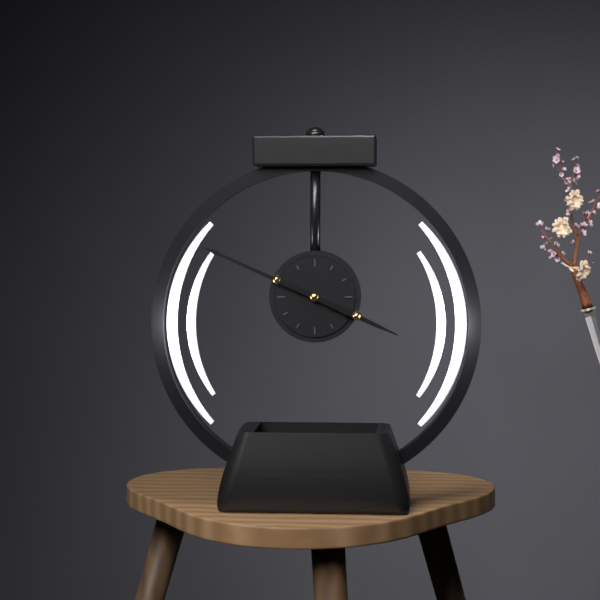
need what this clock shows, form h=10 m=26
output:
h=3 m=49
